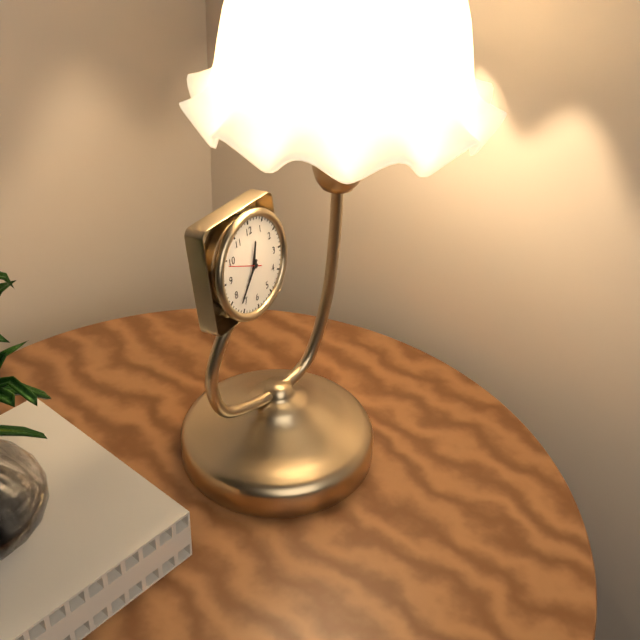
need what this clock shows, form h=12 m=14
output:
h=12 m=37
